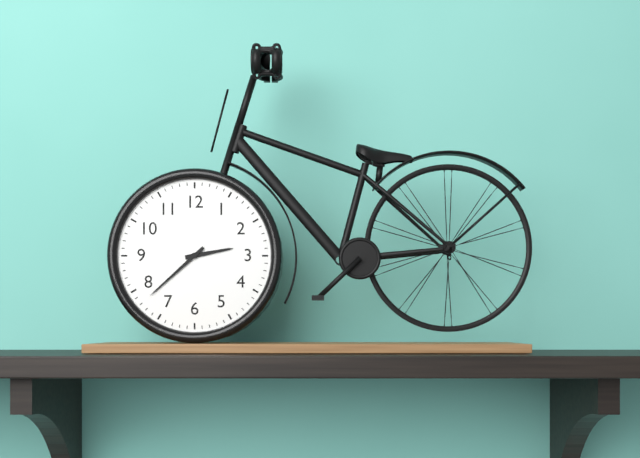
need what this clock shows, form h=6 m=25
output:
h=2 m=38
